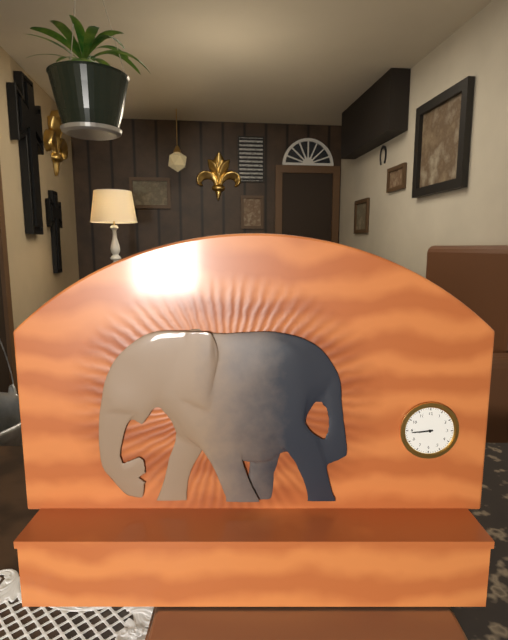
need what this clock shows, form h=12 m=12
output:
h=8 m=44
